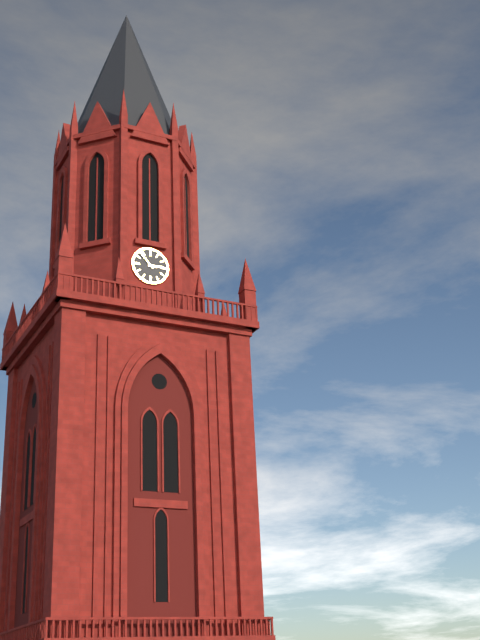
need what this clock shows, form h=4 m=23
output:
h=2 m=53
